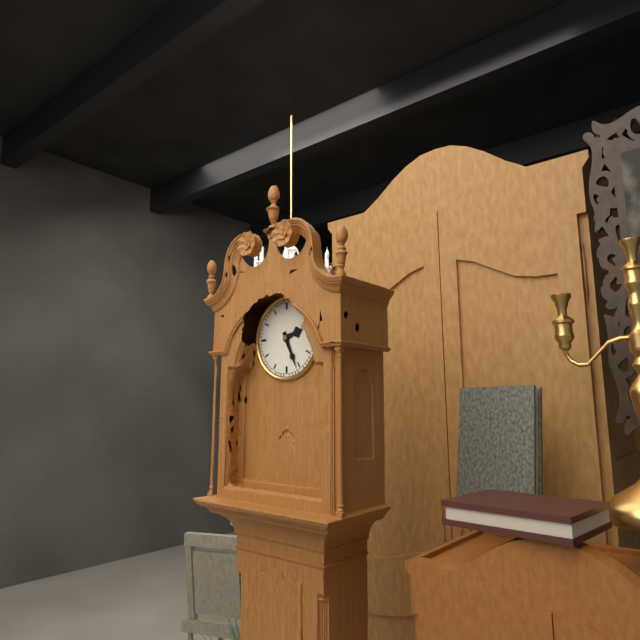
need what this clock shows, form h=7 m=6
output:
h=2 m=26
